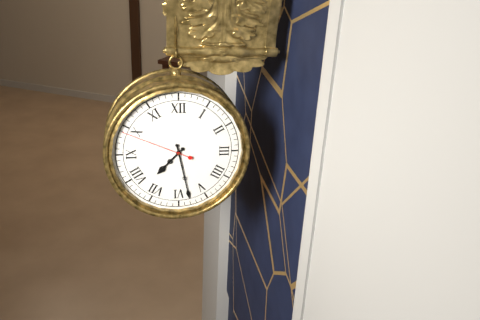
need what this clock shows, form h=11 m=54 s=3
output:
h=7 m=28 s=49
